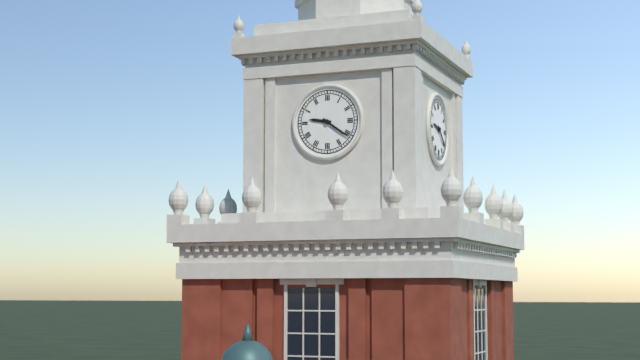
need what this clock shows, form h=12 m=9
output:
h=9 m=21
